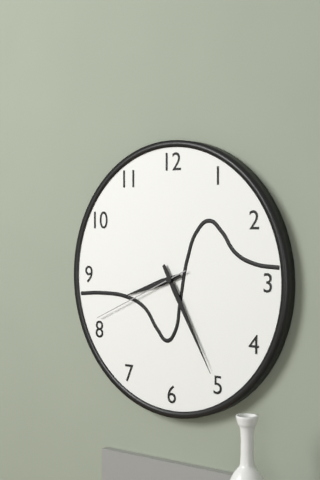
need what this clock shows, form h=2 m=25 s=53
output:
h=8 m=25 s=41
